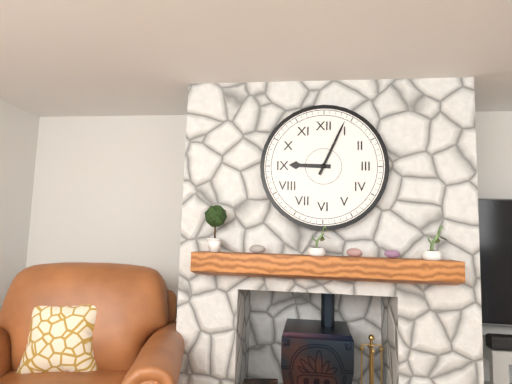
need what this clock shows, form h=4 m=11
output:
h=9 m=4
